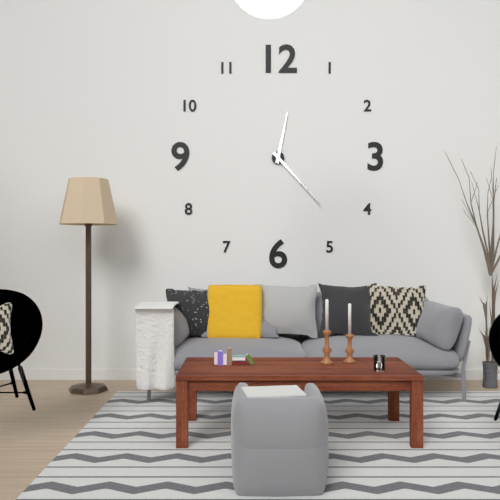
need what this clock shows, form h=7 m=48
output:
h=12 m=23
